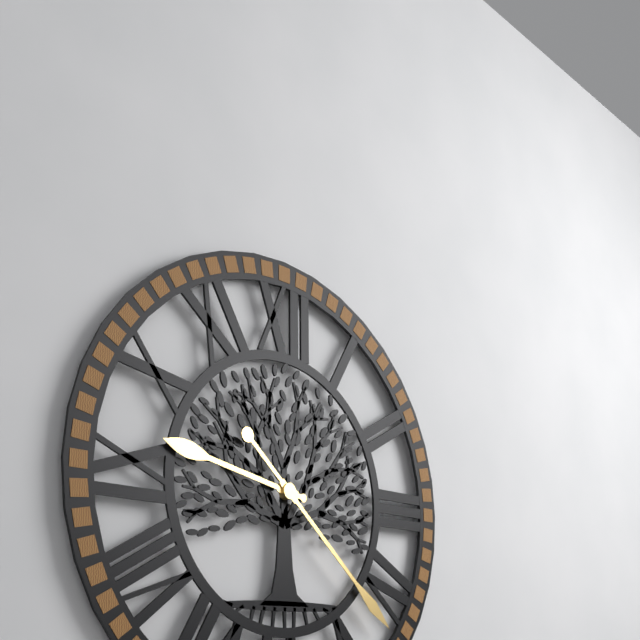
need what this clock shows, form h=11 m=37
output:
h=9 m=22
